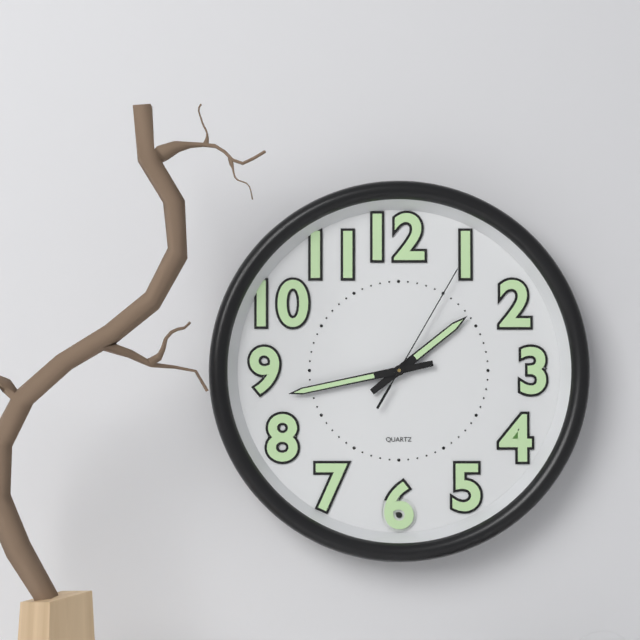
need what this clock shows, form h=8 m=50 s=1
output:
h=1 m=43 s=5
